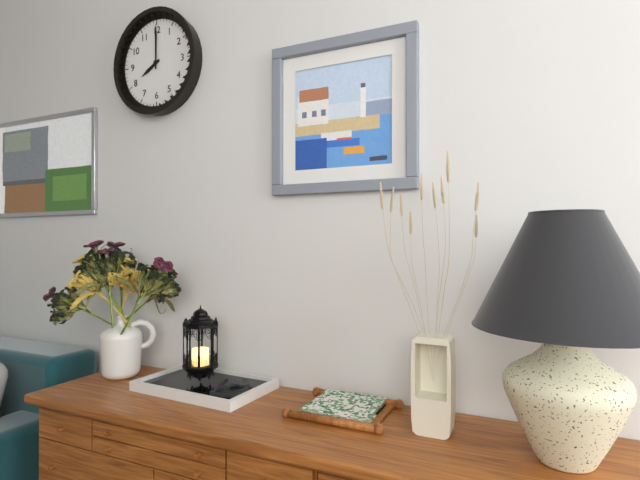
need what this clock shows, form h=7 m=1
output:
h=8 m=0
